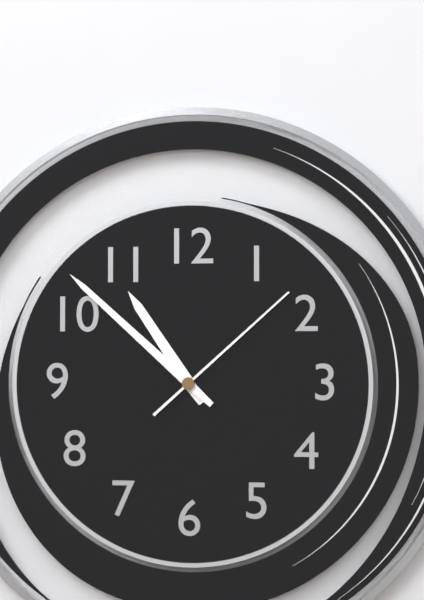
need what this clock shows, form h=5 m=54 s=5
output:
h=10 m=52 s=8
